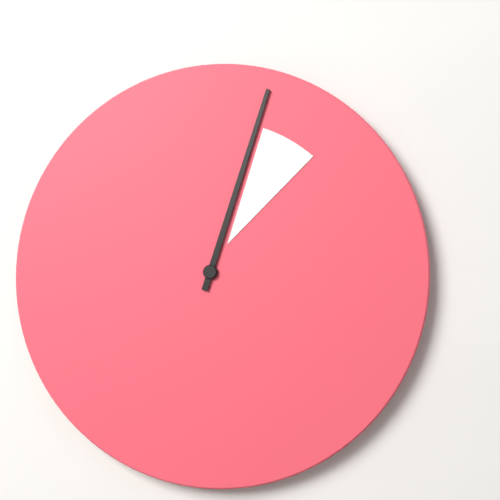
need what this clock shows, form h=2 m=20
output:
h=1 m=3
